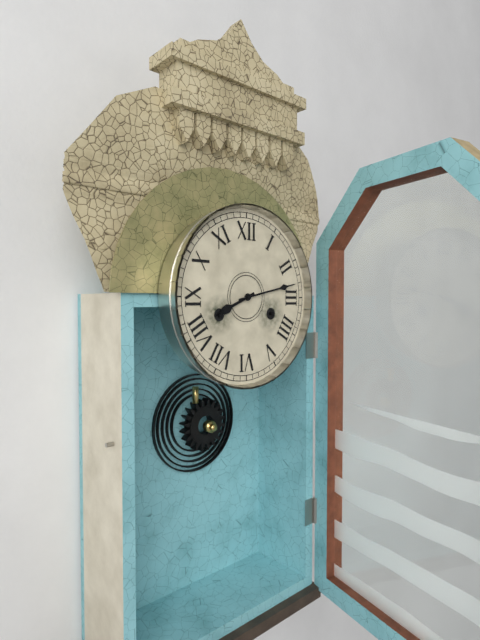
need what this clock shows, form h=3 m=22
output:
h=8 m=13
